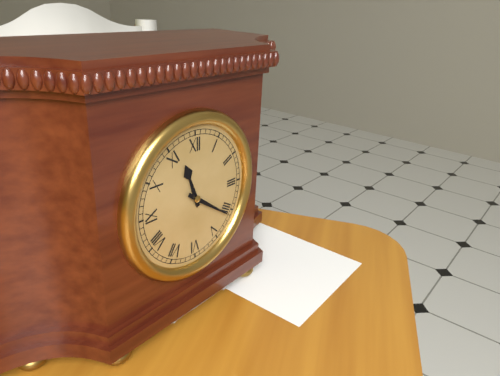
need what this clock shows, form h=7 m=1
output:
h=11 m=21
